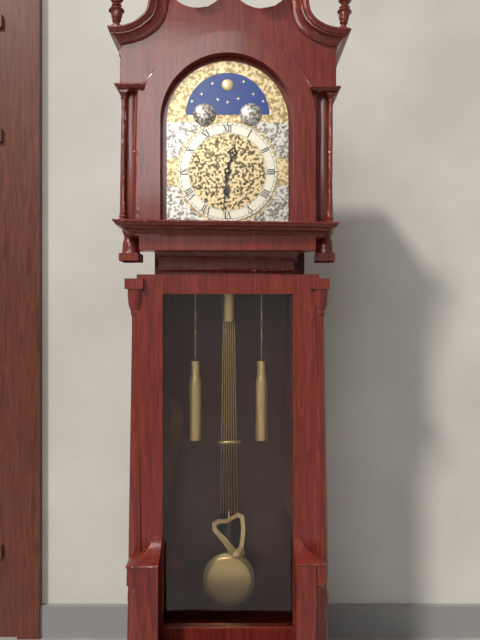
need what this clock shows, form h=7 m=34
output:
h=12 m=31
